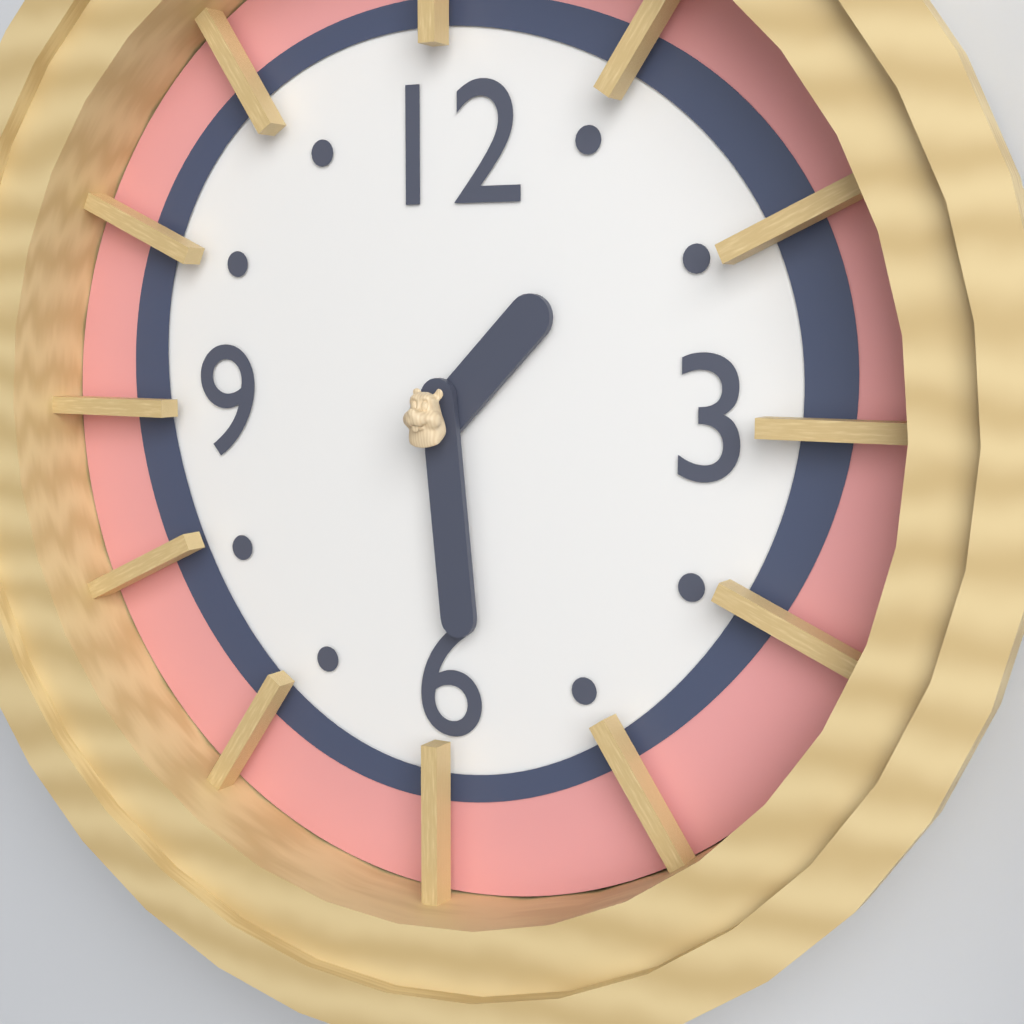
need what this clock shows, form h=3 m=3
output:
h=1 m=29
